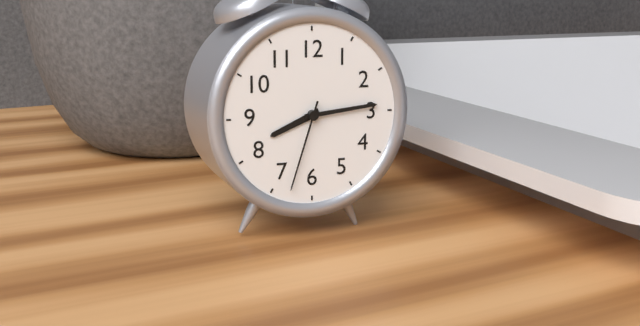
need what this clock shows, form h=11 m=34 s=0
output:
h=8 m=14 s=33
